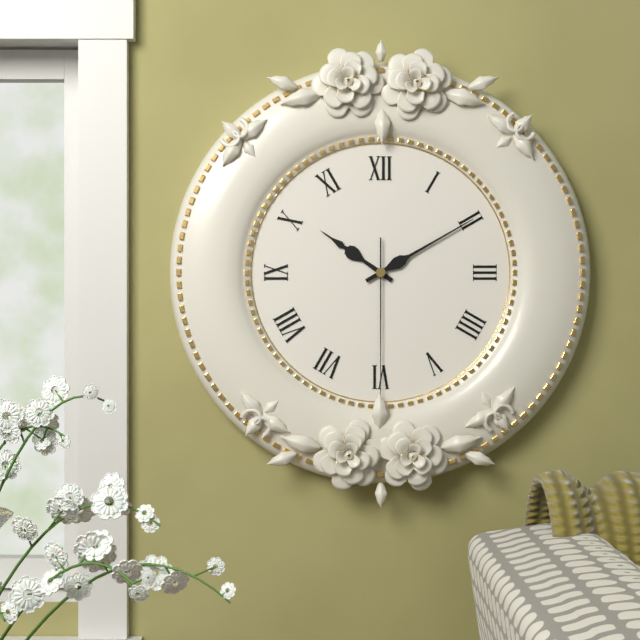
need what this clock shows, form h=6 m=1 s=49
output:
h=10 m=10 s=30
